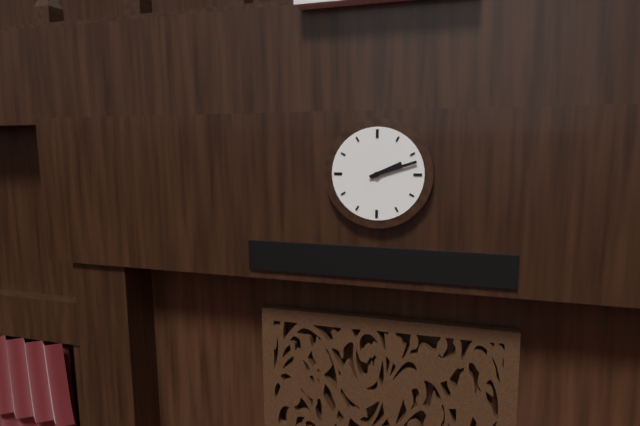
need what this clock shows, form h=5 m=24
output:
h=2 m=12
